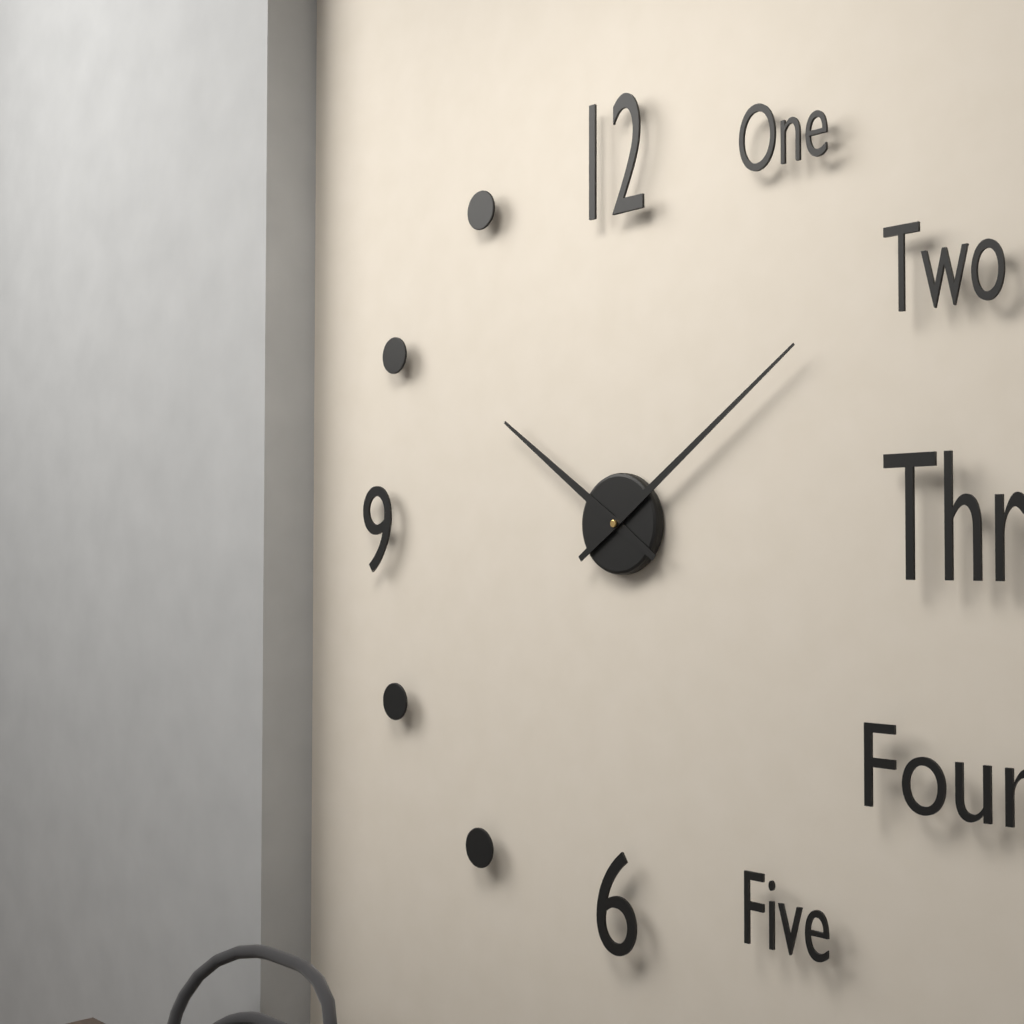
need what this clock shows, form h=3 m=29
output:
h=10 m=9
